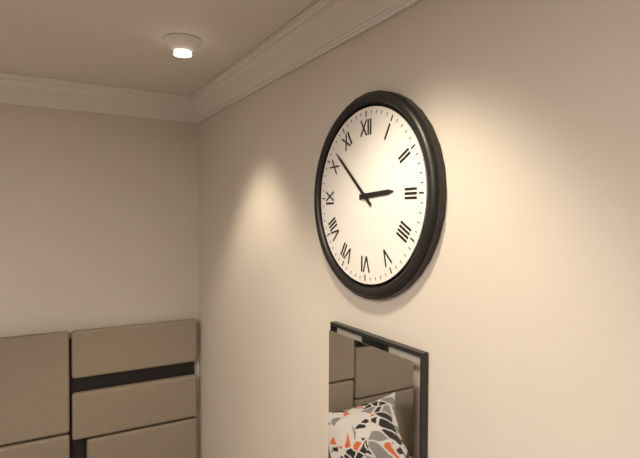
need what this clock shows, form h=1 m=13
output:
h=2 m=52
